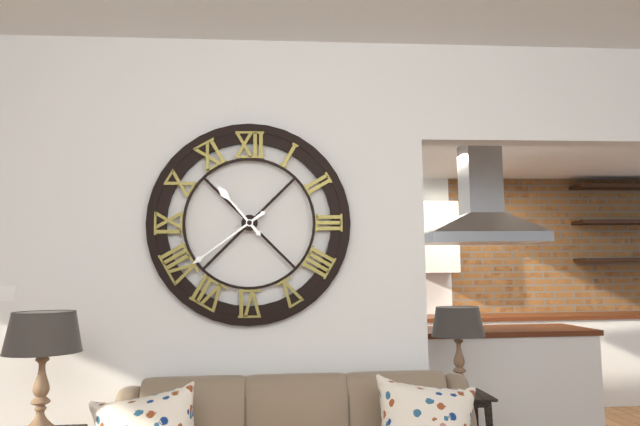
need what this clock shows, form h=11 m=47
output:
h=10 m=39
